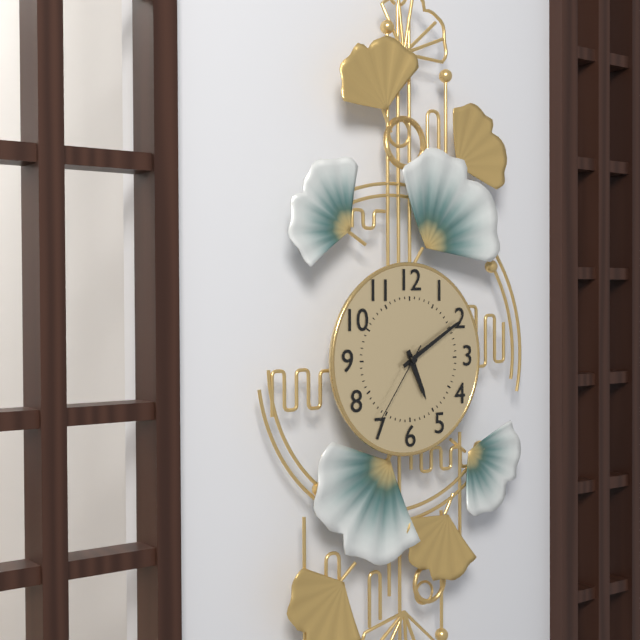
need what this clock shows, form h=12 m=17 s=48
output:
h=5 m=10 s=36
